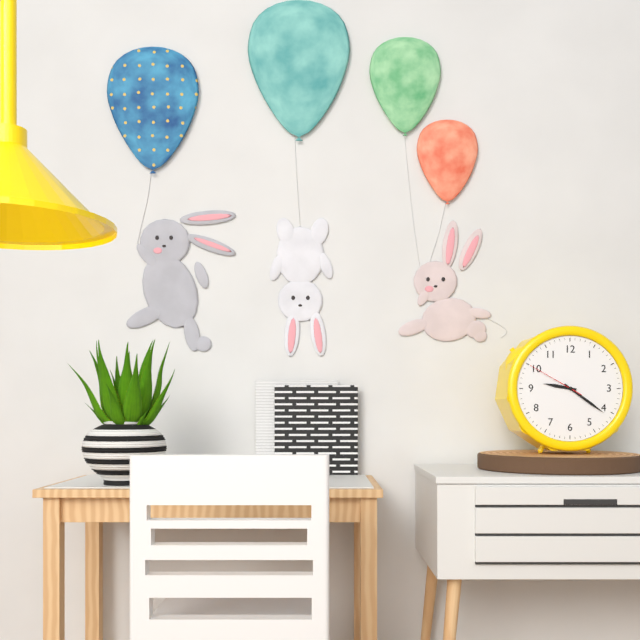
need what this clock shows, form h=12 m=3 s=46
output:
h=9 m=21 s=50
